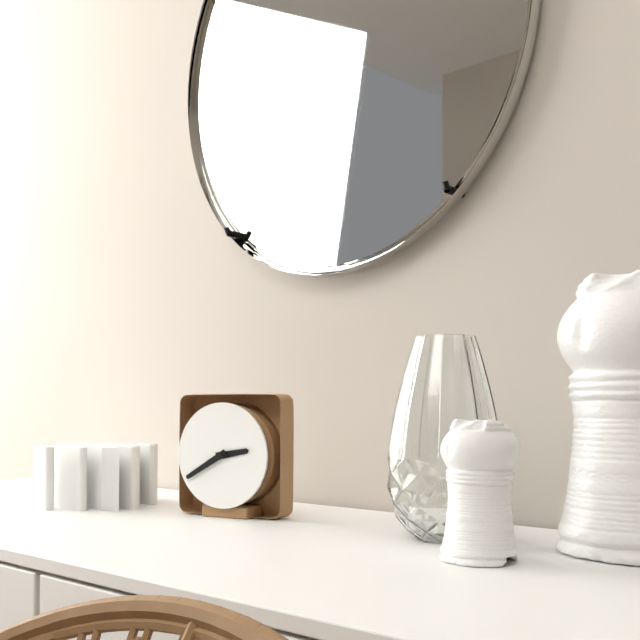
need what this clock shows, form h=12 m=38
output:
h=2 m=40
